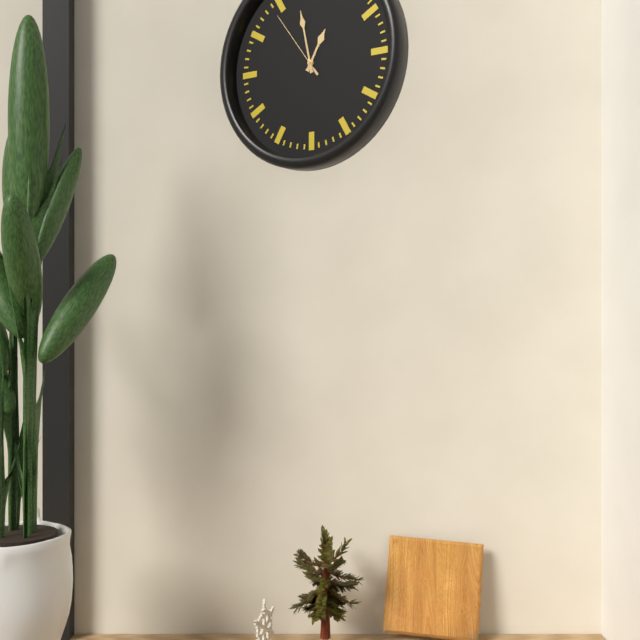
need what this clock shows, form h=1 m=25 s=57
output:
h=12 m=58 s=54
